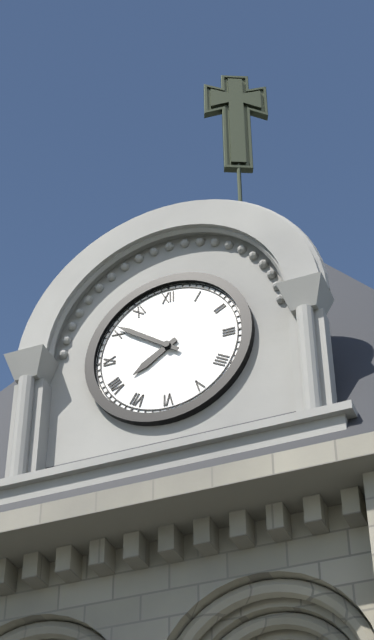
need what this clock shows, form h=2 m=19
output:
h=7 m=51
